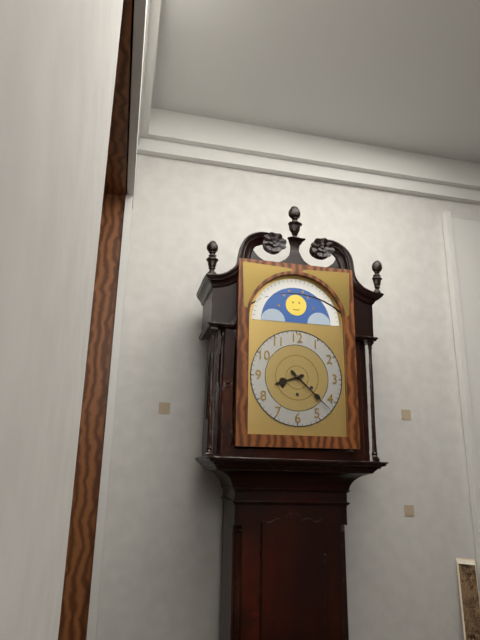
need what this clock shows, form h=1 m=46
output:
h=8 m=22
